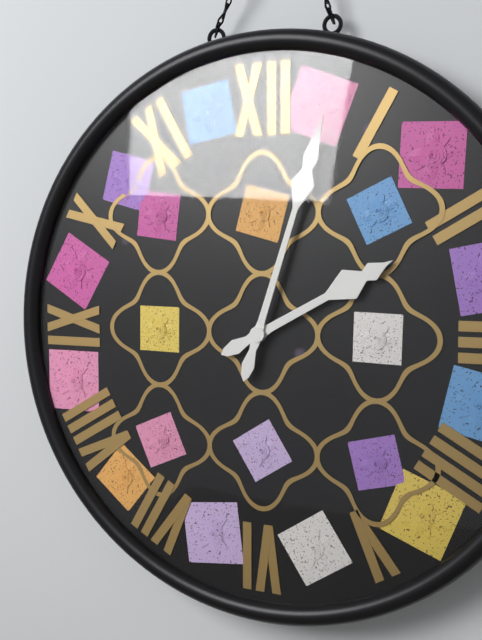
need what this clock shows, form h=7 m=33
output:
h=2 m=3
